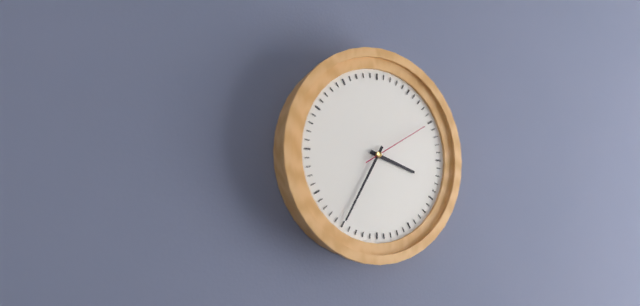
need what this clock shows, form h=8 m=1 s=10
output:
h=3 m=35 s=10
